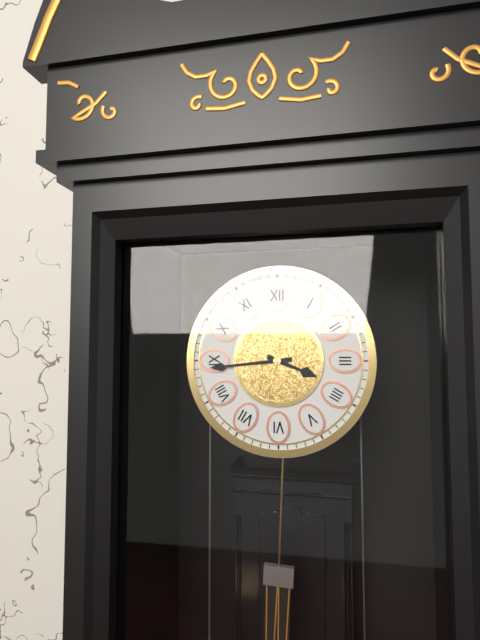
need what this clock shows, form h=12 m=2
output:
h=3 m=44
